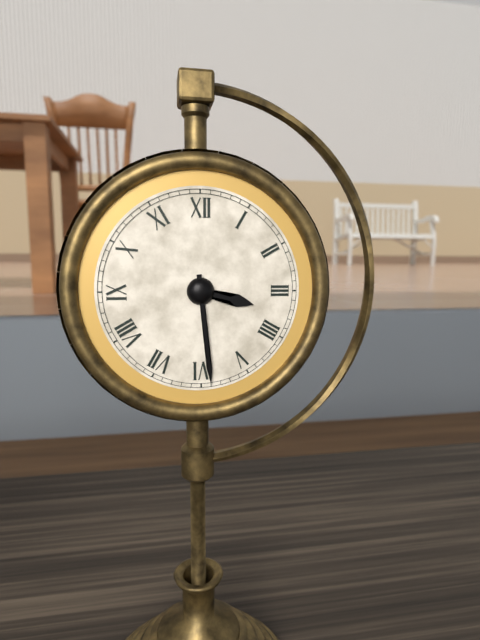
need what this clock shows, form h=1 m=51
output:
h=3 m=29
